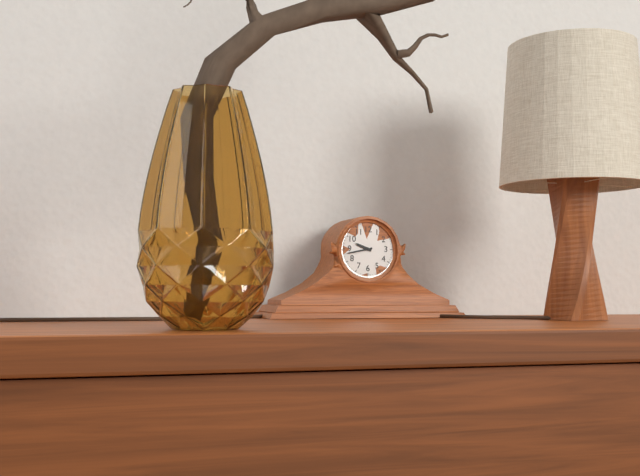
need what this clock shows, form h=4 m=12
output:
h=9 m=43
